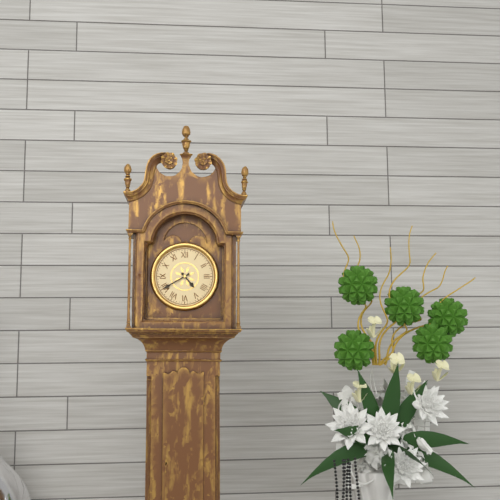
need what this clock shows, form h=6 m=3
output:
h=4 m=40
